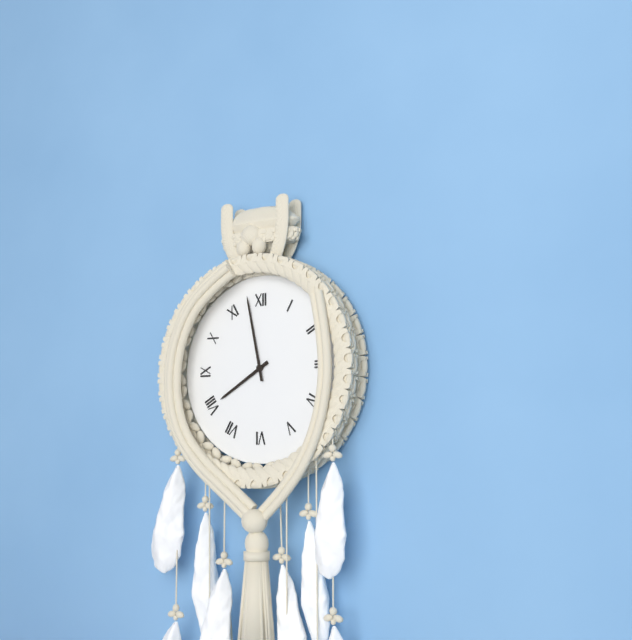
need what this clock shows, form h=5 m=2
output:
h=7 m=58
